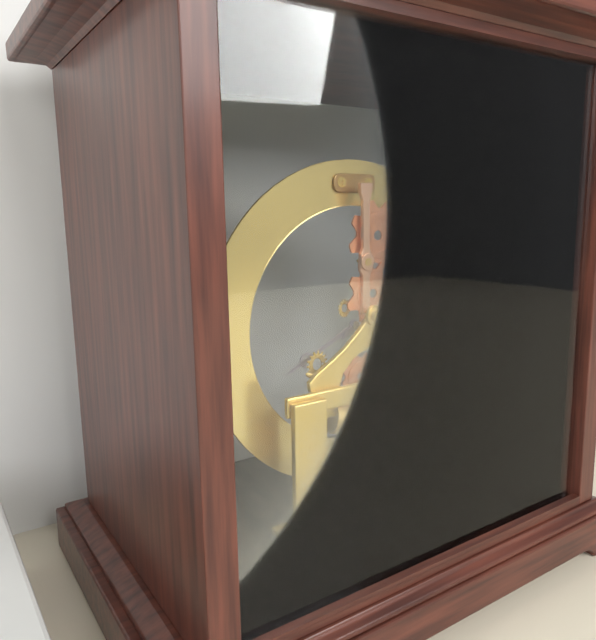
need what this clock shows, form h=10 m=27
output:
h=8 m=9
